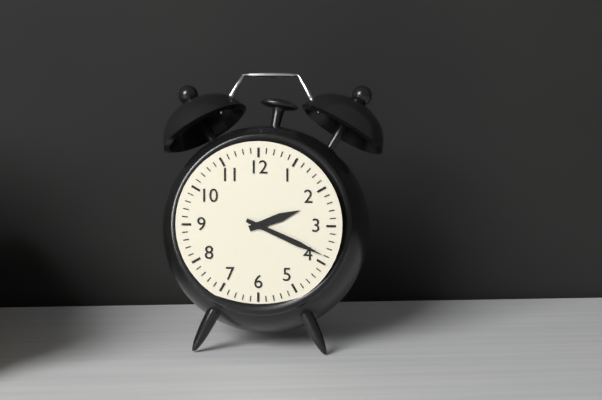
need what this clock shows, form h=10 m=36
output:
h=2 m=19
